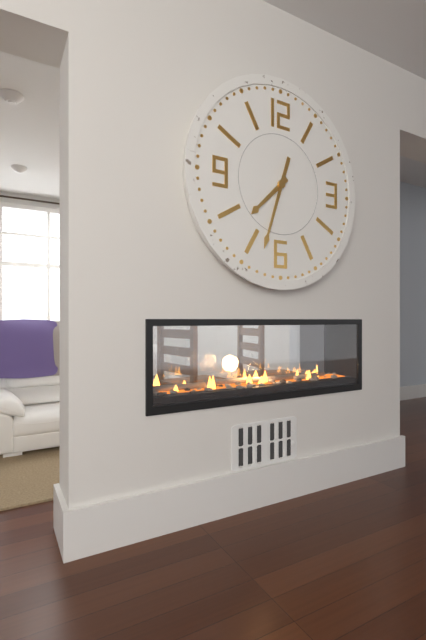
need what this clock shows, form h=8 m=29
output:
h=7 m=33
